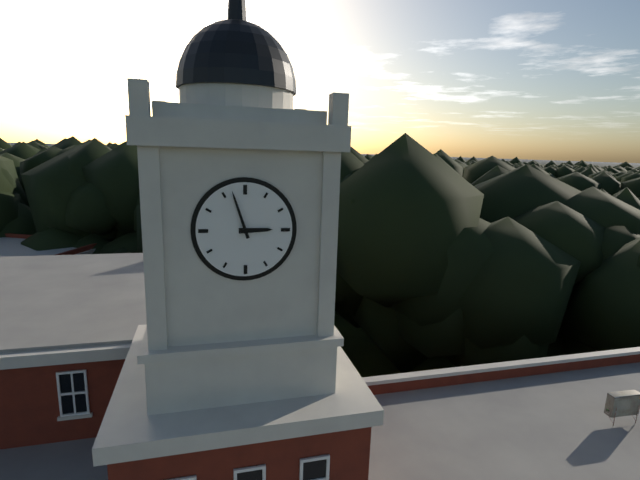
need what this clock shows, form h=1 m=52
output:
h=2 m=57
